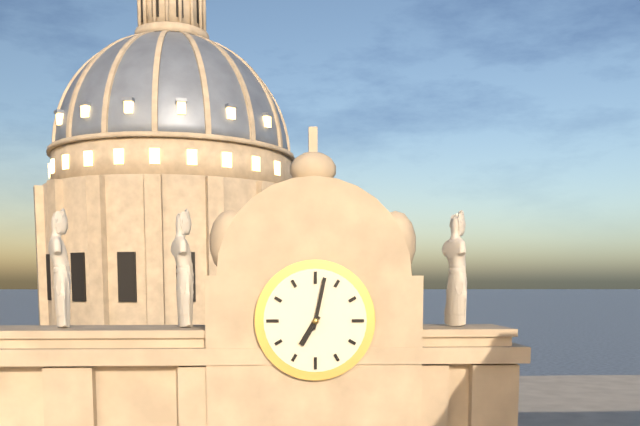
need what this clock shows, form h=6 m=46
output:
h=7 m=2
